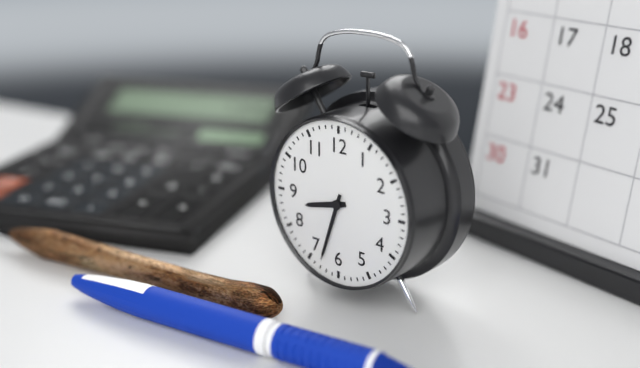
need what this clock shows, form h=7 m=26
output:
h=8 m=33
